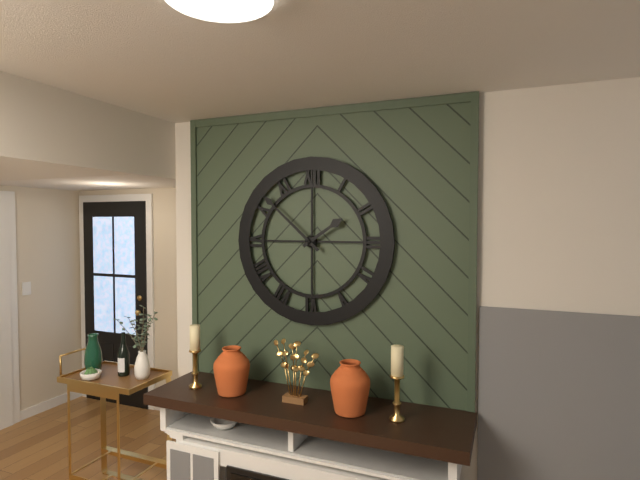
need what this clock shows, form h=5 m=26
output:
h=1 m=52
